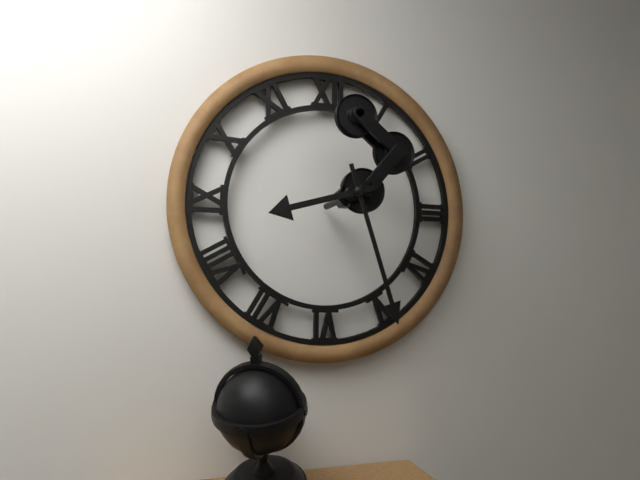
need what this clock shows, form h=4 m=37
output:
h=8 m=27
